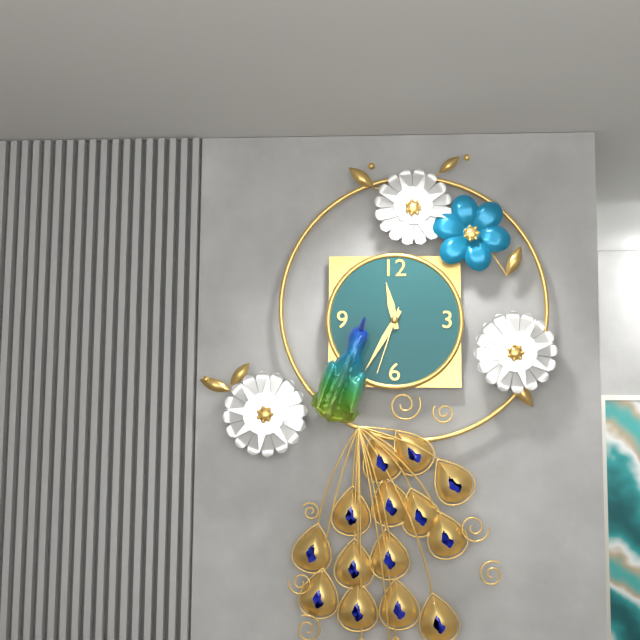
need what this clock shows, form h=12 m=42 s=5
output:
h=11 m=35 s=33
